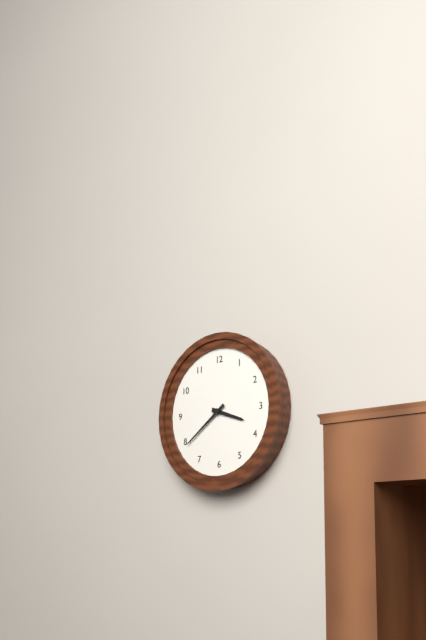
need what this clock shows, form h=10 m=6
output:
h=3 m=39
